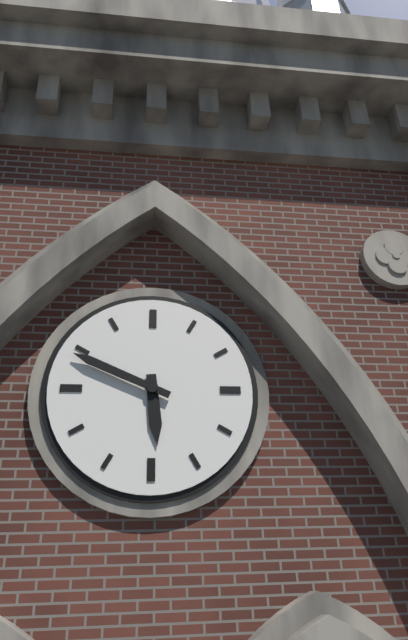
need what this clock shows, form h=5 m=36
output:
h=5 m=49
